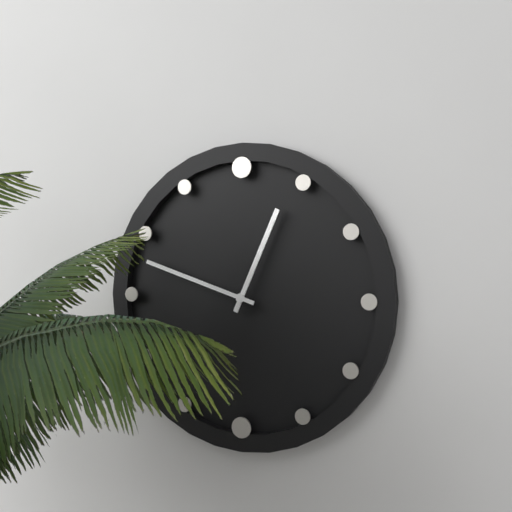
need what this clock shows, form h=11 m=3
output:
h=12 m=48
